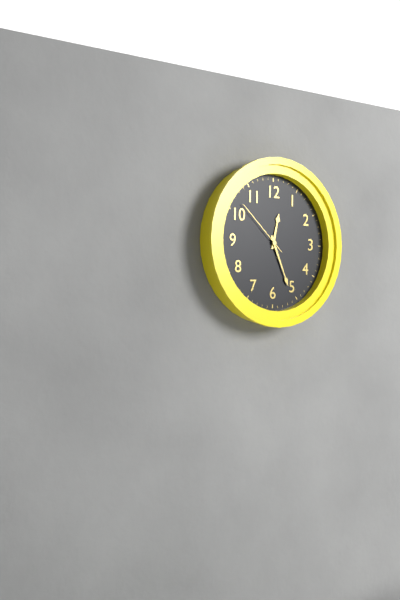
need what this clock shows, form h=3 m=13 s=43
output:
h=12 m=26 s=52
